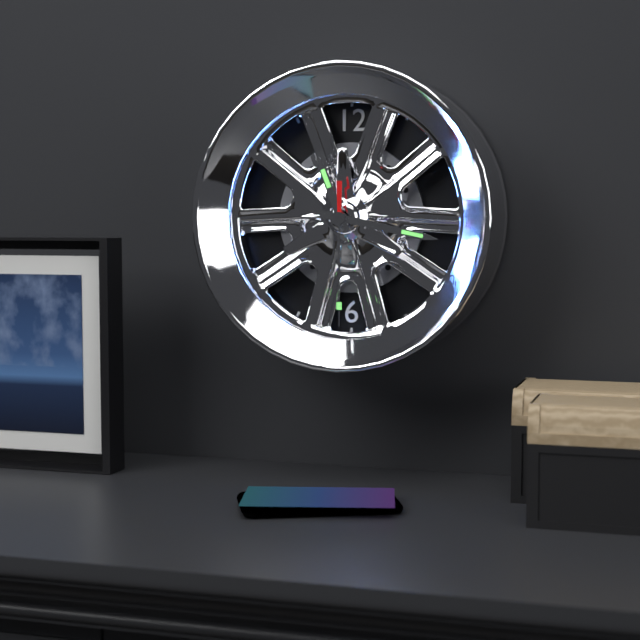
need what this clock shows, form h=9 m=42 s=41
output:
h=11 m=17 s=30
